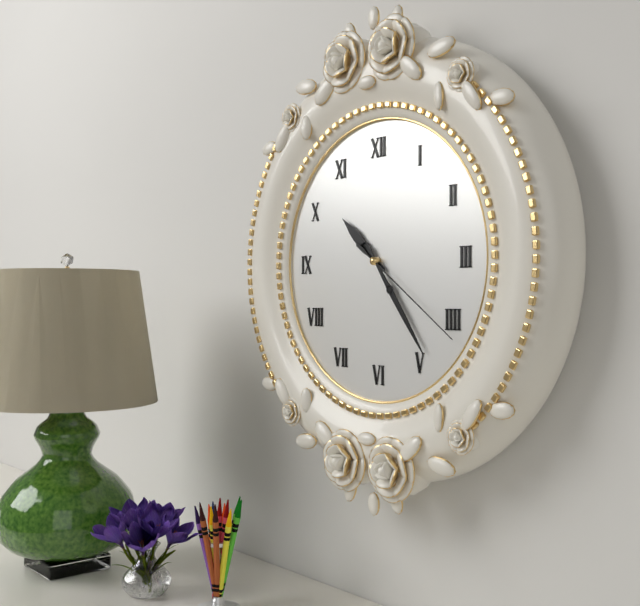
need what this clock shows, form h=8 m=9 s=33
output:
h=10 m=24 s=21
